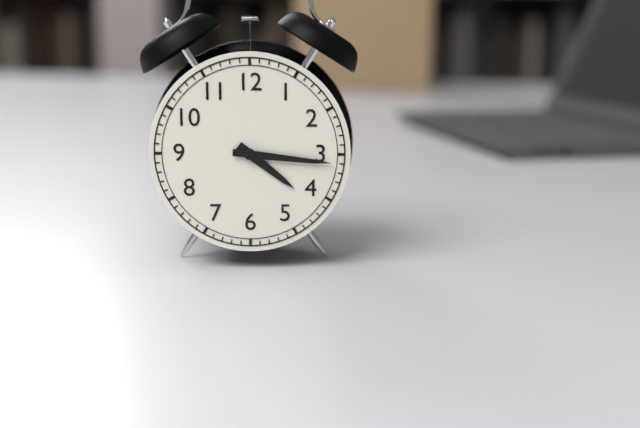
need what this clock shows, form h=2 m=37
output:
h=4 m=16
